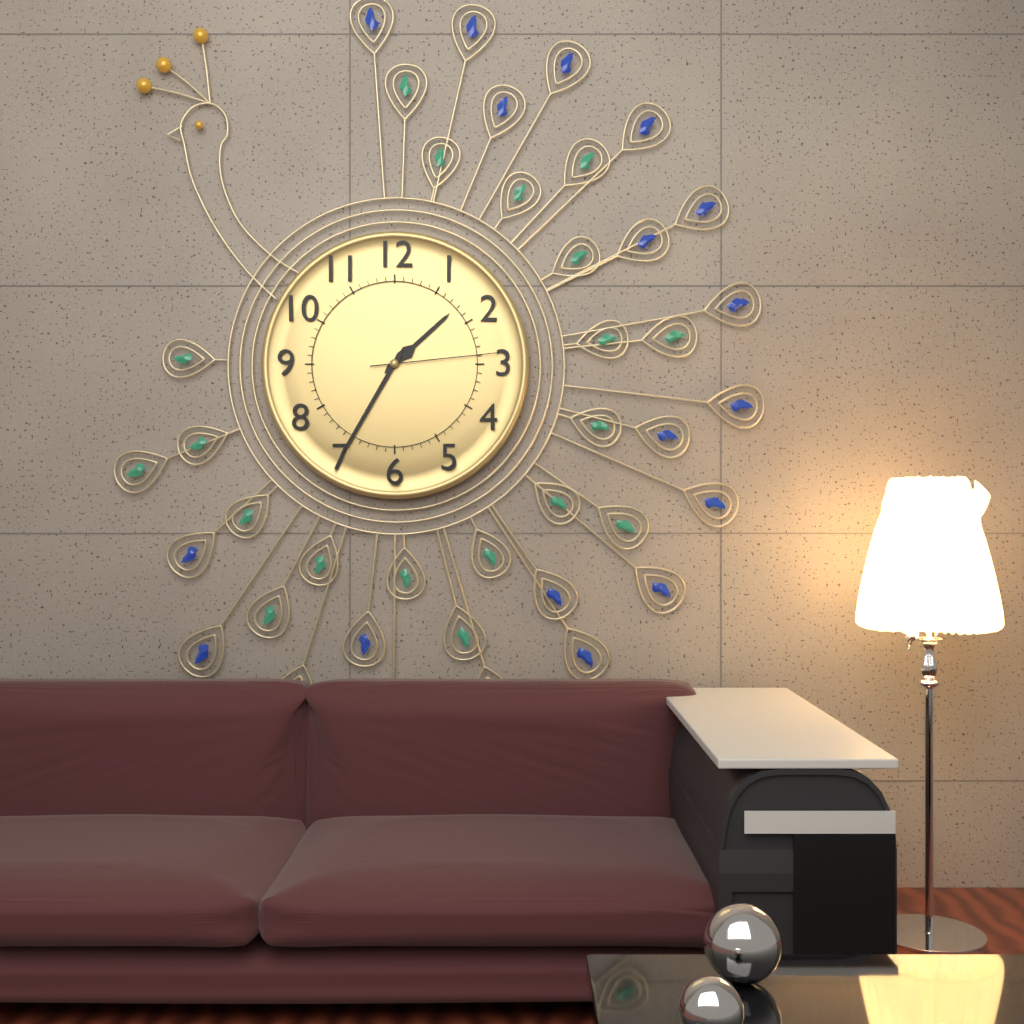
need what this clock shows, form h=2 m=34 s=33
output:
h=1 m=35 s=14
